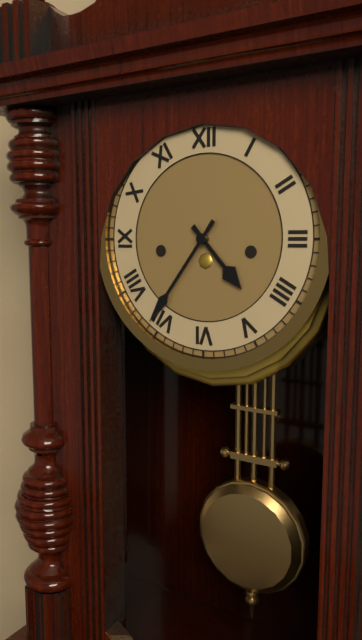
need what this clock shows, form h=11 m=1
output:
h=4 m=36
